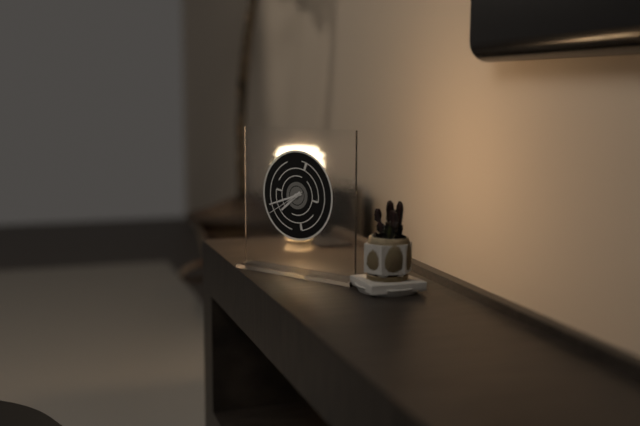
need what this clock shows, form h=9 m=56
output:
h=7 m=42
